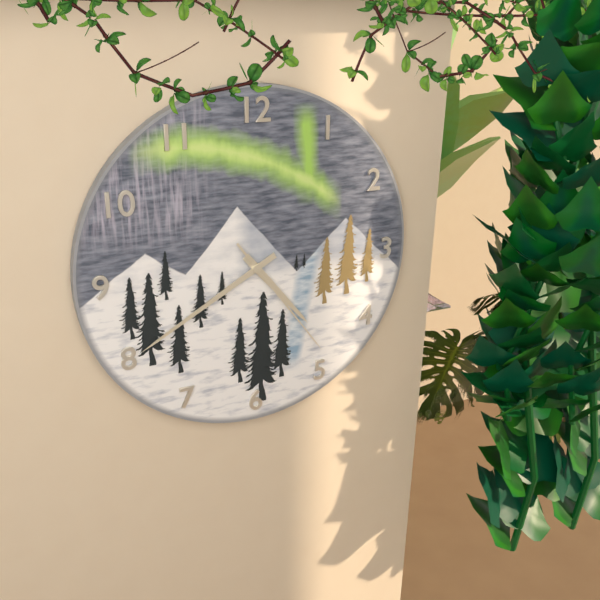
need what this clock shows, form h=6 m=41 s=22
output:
h=4 m=40 s=24
